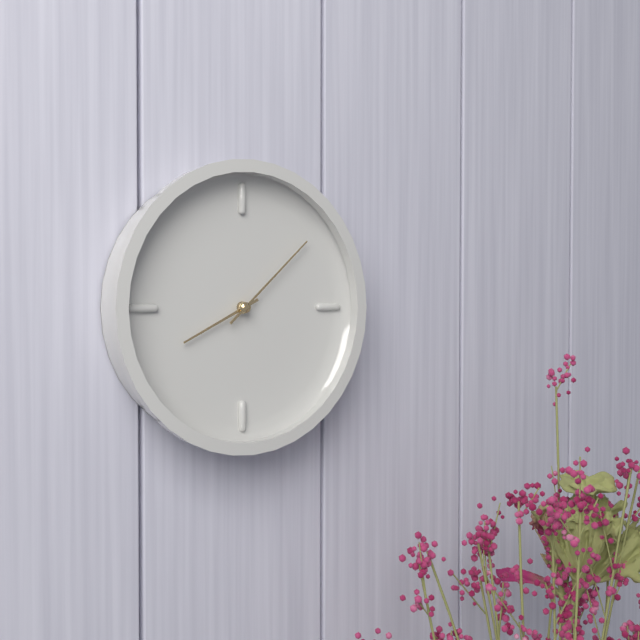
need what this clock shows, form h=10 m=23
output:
h=8 m=8
